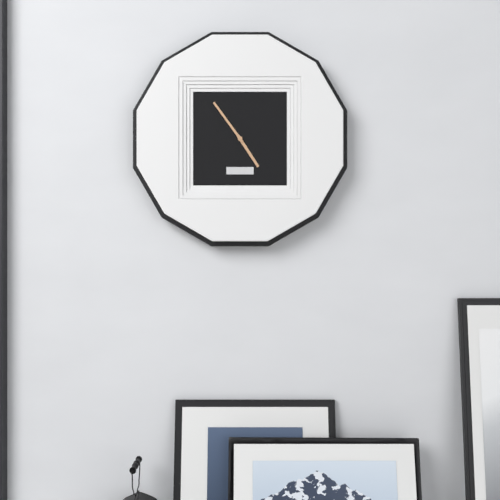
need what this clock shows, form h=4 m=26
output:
h=4 m=54
